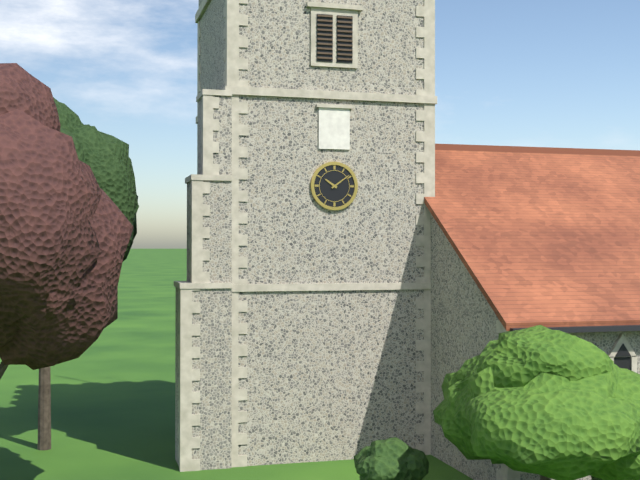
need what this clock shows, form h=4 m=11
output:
h=10 m=9
